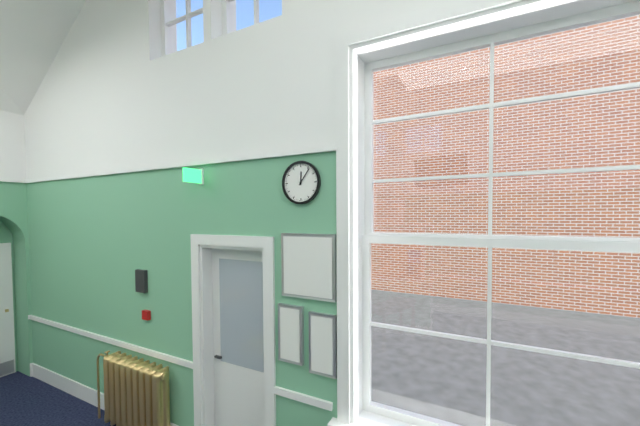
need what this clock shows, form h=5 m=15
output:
h=12 m=6
